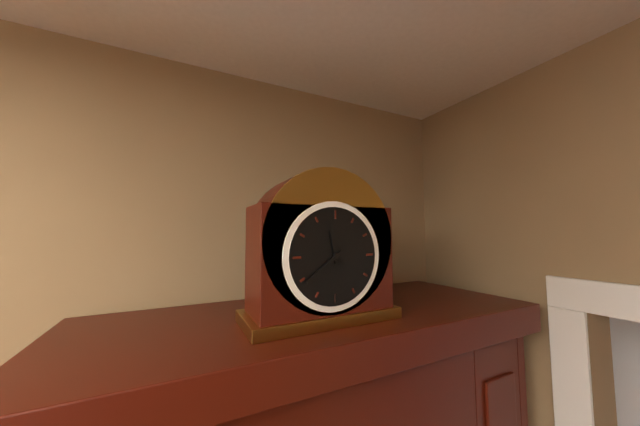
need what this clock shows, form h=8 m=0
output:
h=11 m=39
